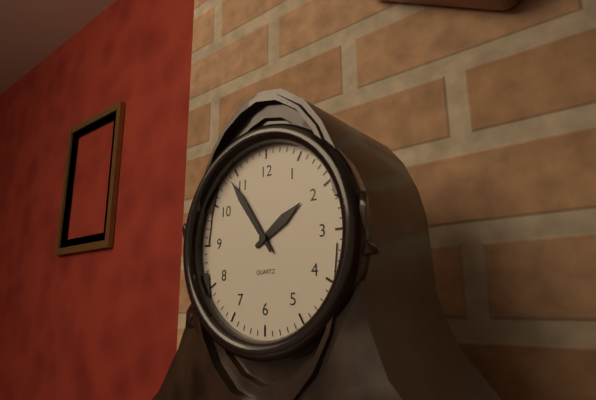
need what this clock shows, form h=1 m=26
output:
h=1 m=54
